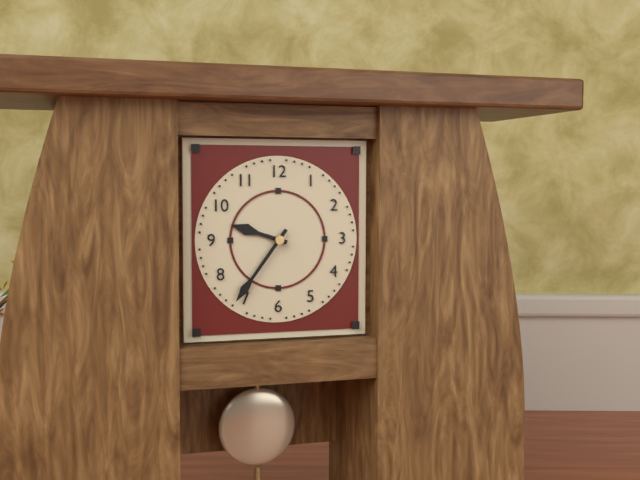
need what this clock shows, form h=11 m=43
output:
h=9 m=36
